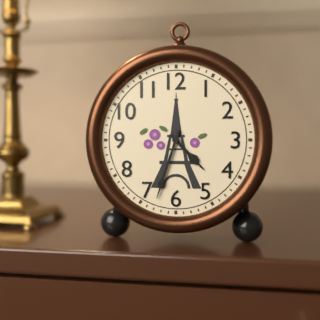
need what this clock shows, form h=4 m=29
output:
h=4 m=33
